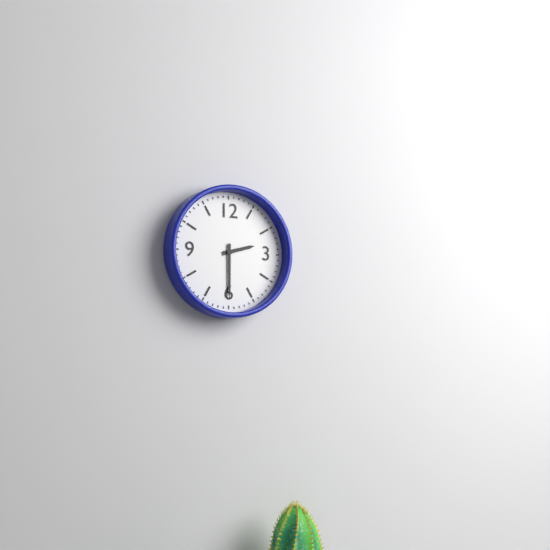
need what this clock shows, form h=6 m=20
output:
h=2 m=30
